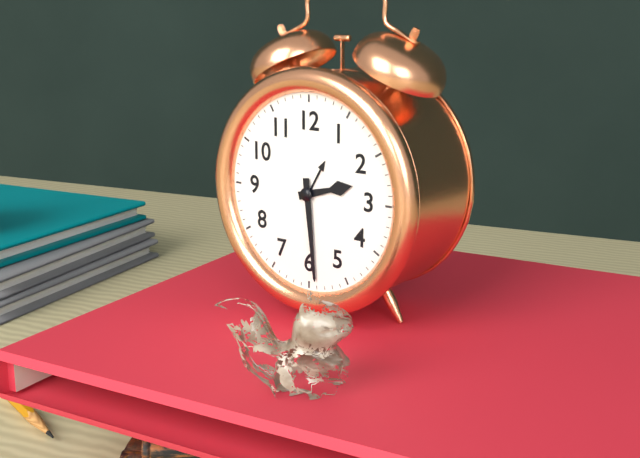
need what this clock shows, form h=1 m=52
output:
h=2 m=29
